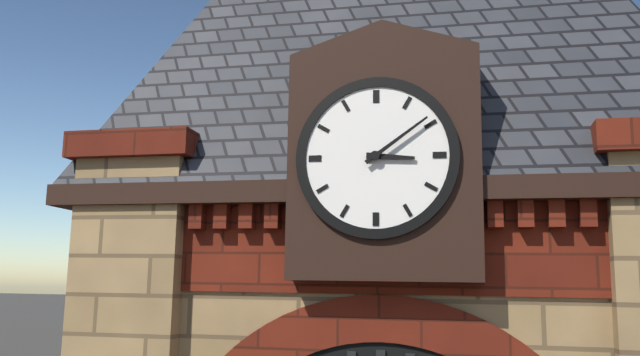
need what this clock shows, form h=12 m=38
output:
h=3 m=9
